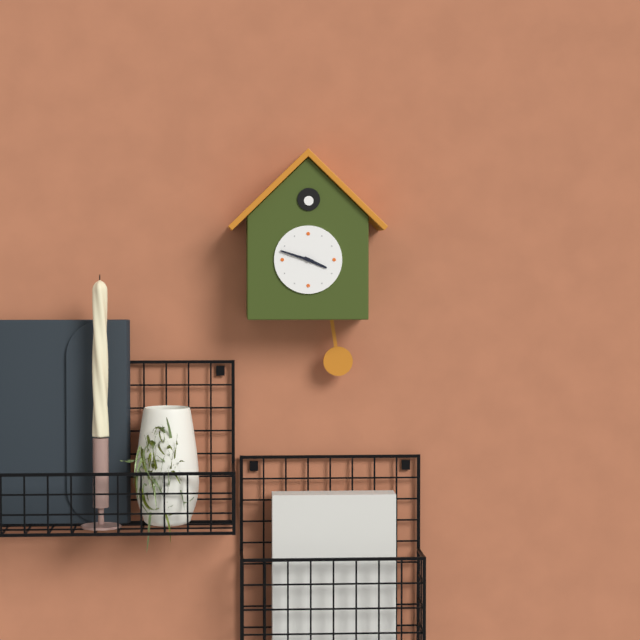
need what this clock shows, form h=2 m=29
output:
h=3 m=48
